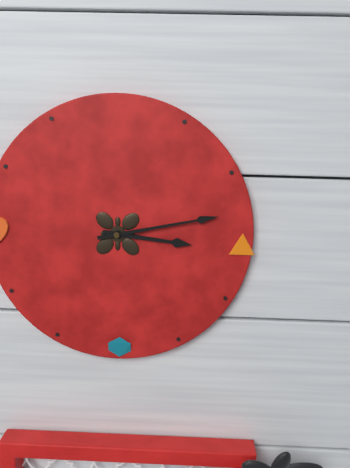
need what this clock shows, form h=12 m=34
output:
h=3 m=13
